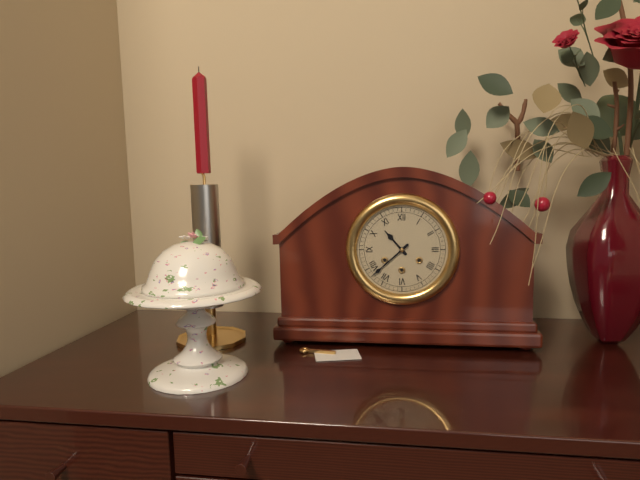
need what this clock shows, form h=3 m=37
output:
h=10 m=38
